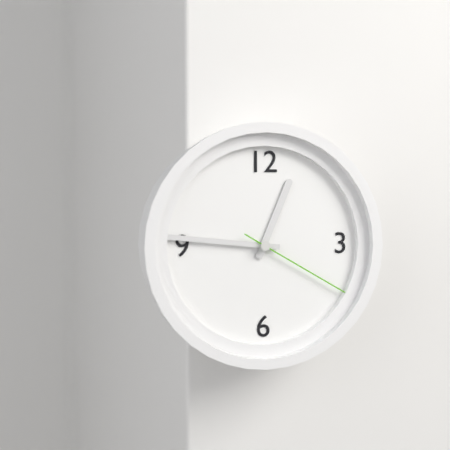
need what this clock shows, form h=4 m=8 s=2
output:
h=12 m=46 s=20
